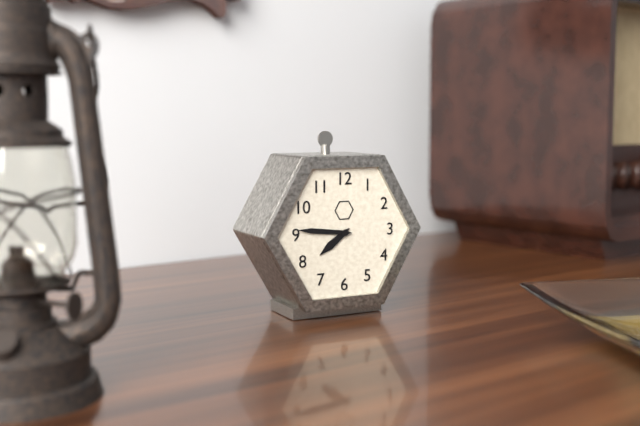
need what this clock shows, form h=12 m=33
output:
h=7 m=46
